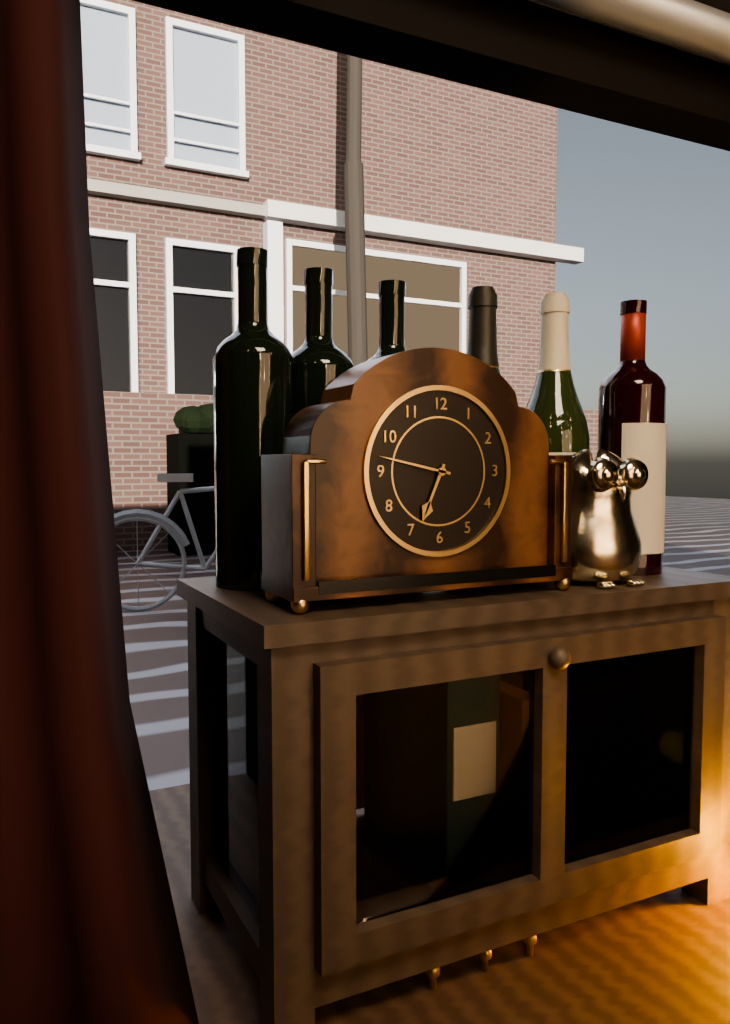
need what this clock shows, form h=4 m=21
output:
h=6 m=47
